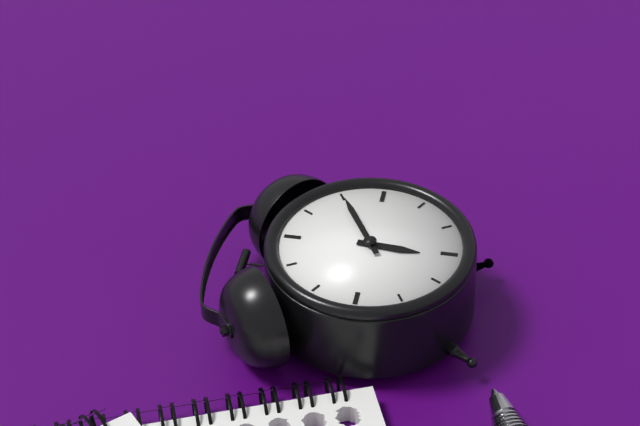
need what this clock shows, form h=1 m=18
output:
h=6 m=10
